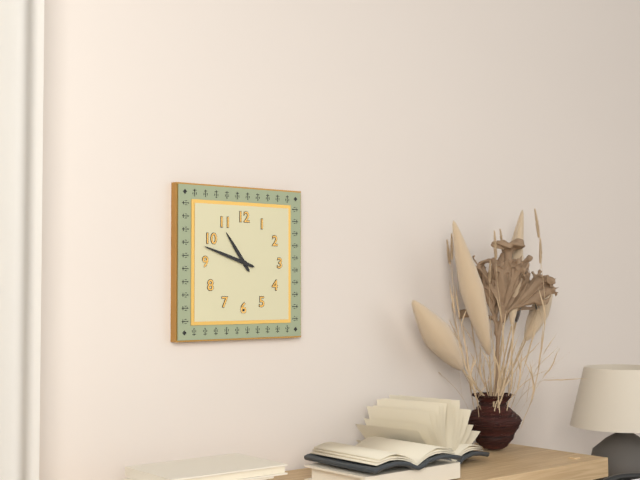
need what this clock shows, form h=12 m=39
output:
h=10 m=48
